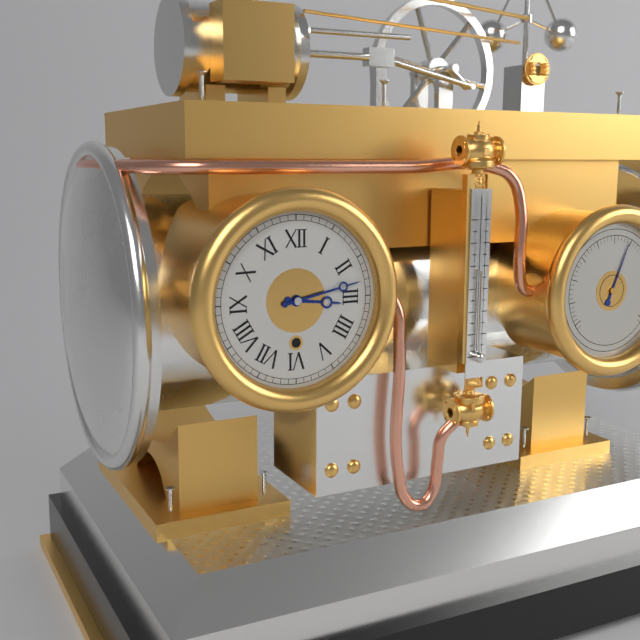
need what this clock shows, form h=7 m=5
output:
h=3 m=13
